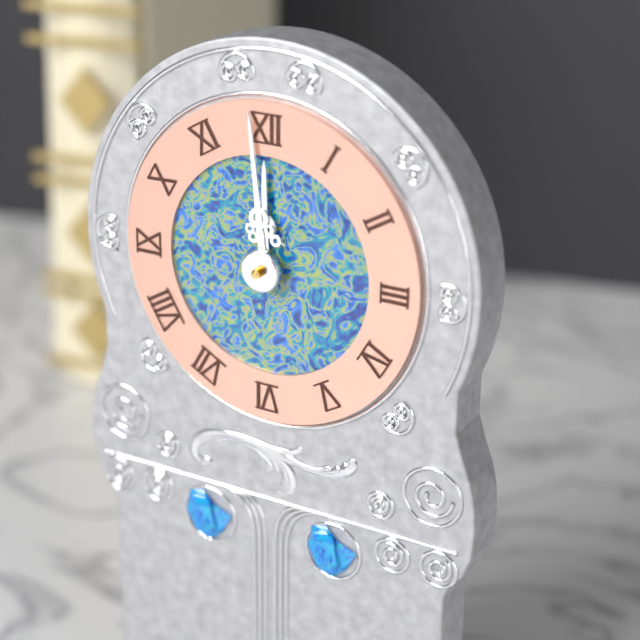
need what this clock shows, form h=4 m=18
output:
h=11 m=59
